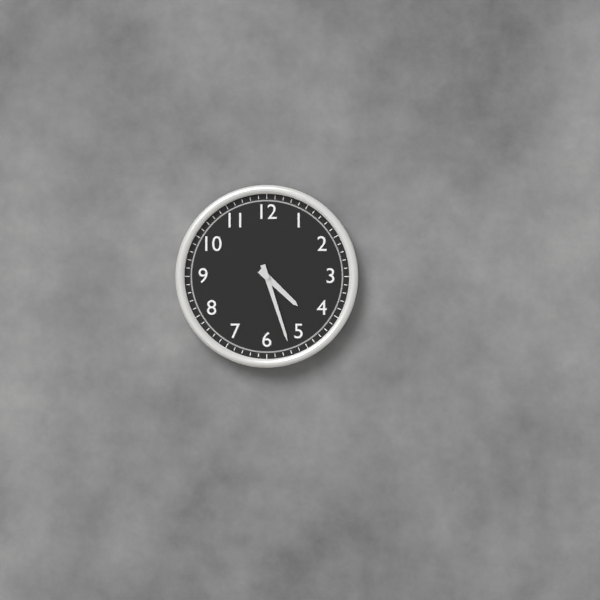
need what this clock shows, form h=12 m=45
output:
h=4 m=27
